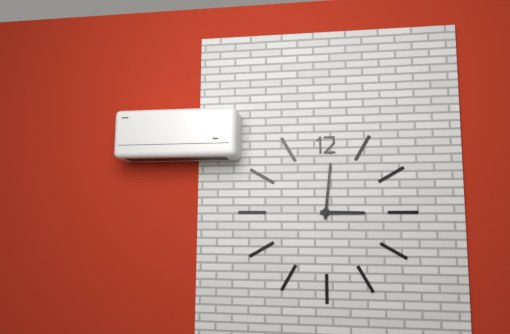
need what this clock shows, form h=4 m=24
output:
h=3 m=1
